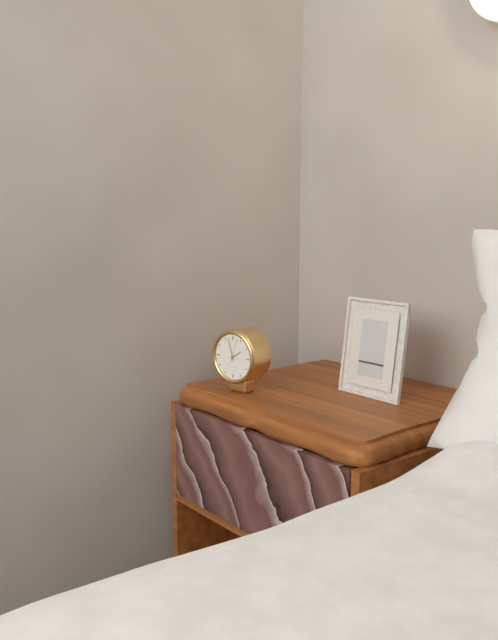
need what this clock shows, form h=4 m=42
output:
h=1 m=57
